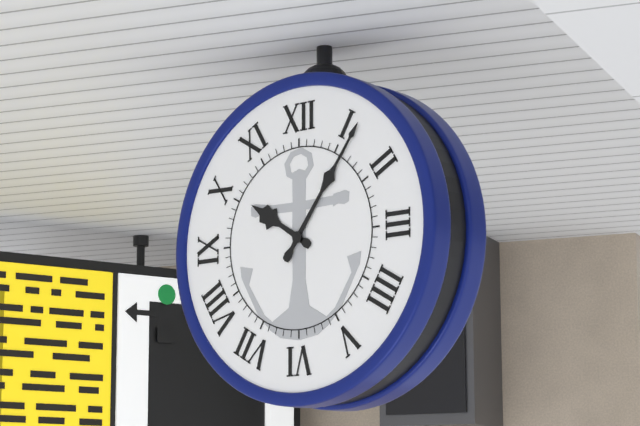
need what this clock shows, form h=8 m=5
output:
h=10 m=6
